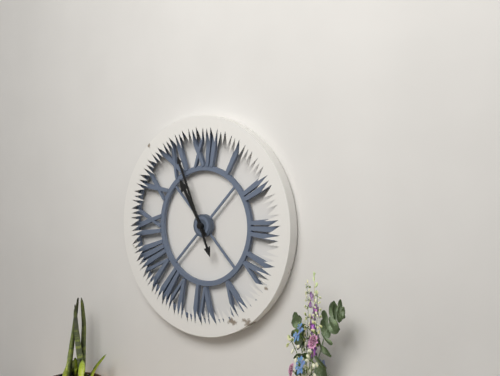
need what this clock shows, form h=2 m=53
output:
h=10 m=56
